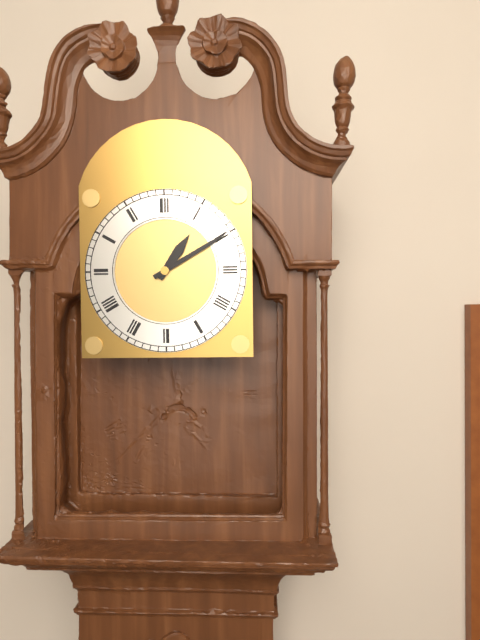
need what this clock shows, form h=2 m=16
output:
h=1 m=10
